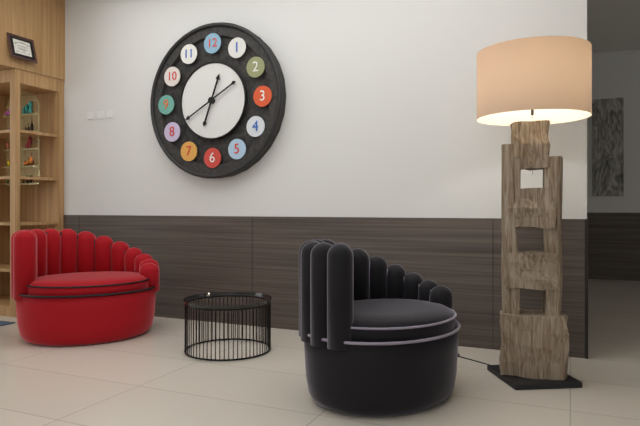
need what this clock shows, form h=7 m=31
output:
h=12 m=40
